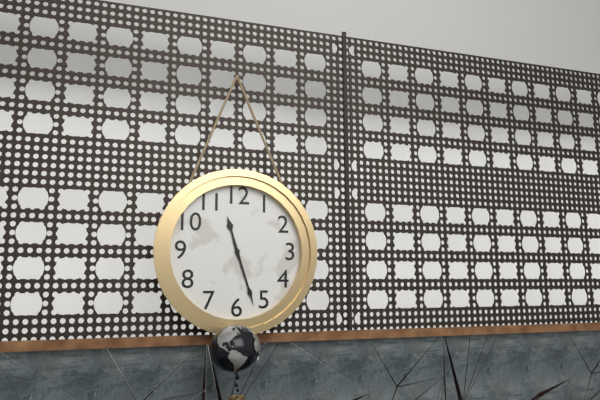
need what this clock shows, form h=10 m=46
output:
h=11 m=27
